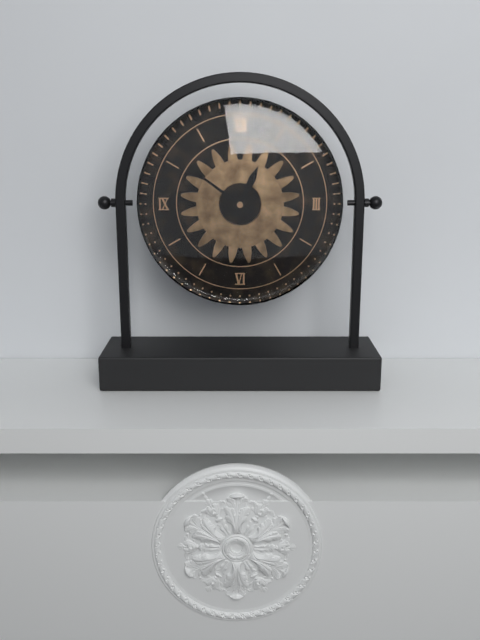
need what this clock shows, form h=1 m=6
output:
h=12 m=51
